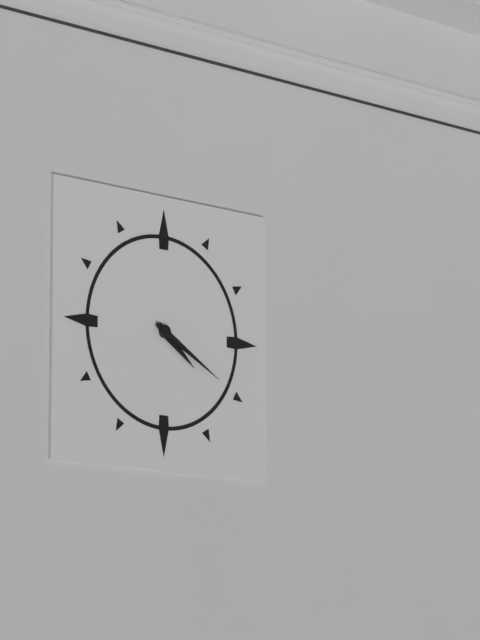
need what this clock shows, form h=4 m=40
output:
h=4 m=20
